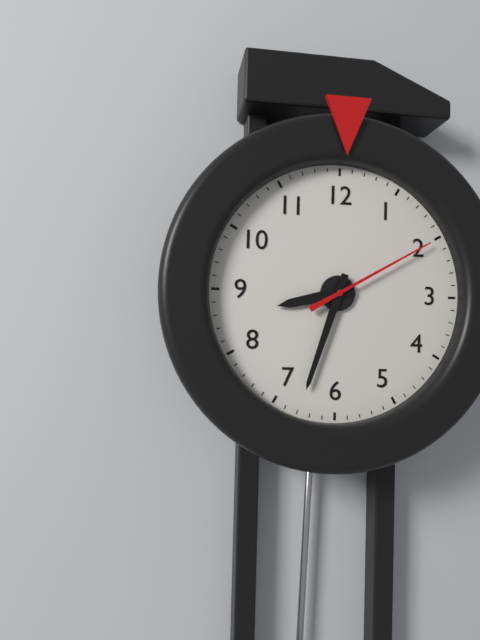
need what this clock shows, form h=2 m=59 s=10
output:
h=8 m=33 s=10
